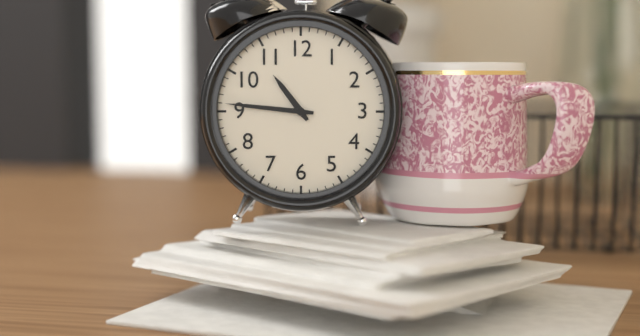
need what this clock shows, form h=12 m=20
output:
h=10 m=46
